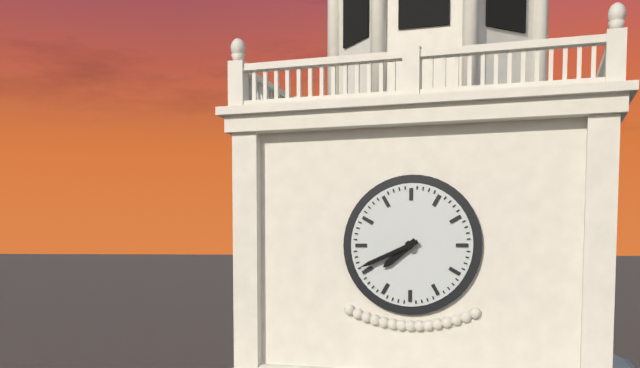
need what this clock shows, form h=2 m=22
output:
h=7 m=41
